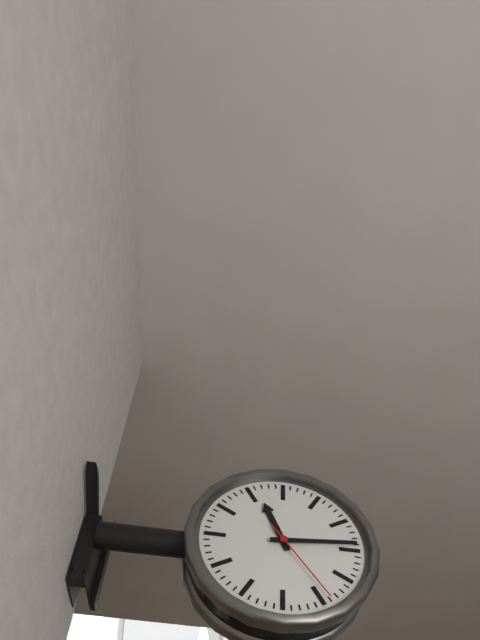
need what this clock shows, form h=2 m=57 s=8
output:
h=11 m=14 s=24
